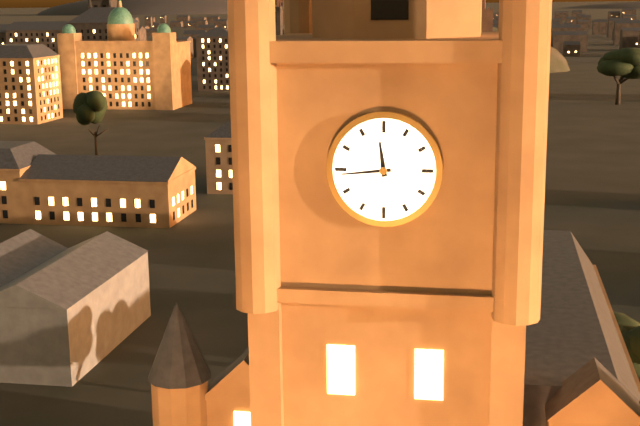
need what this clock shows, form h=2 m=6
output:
h=11 m=44
